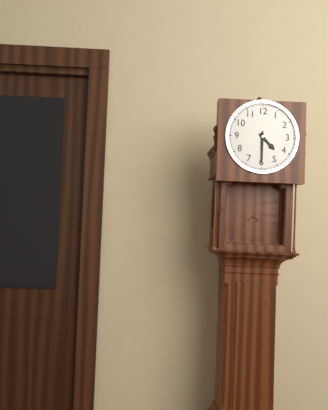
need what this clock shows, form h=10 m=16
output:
h=4 m=30
